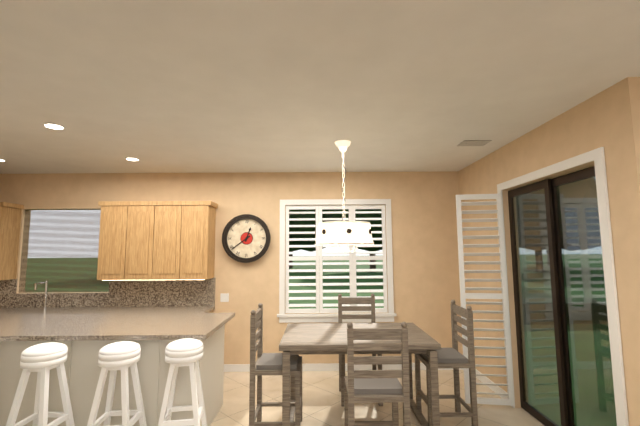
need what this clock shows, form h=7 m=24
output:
h=12 m=39
